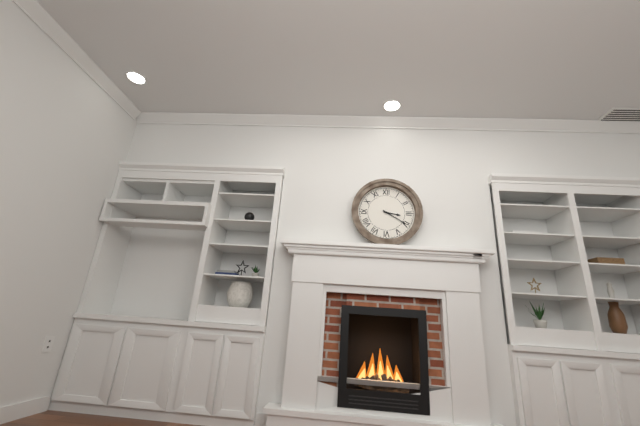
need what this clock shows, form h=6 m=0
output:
h=3 m=20
